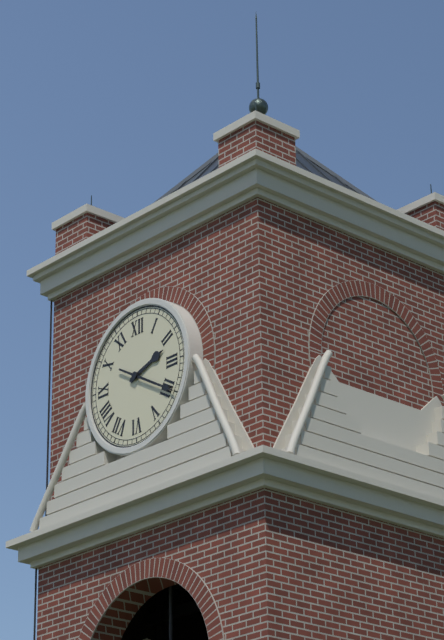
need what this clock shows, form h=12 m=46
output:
h=2 m=20
